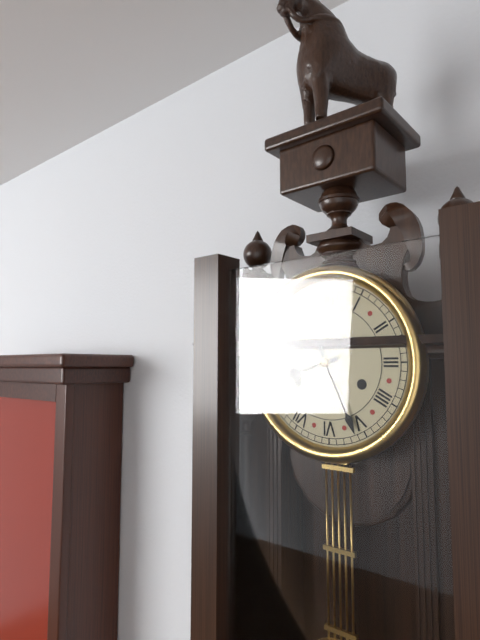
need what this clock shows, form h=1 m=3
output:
h=8 m=26
